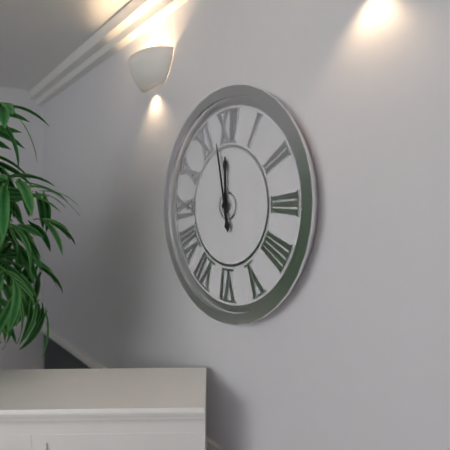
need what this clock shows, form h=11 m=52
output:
h=11 m=58
